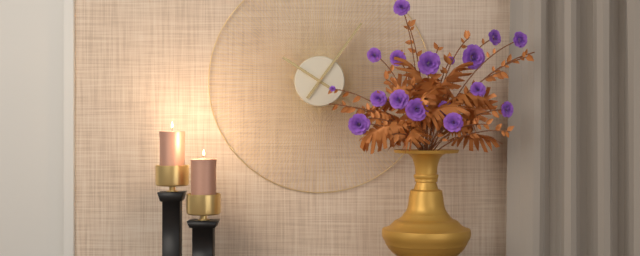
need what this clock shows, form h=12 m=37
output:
h=10 m=6
